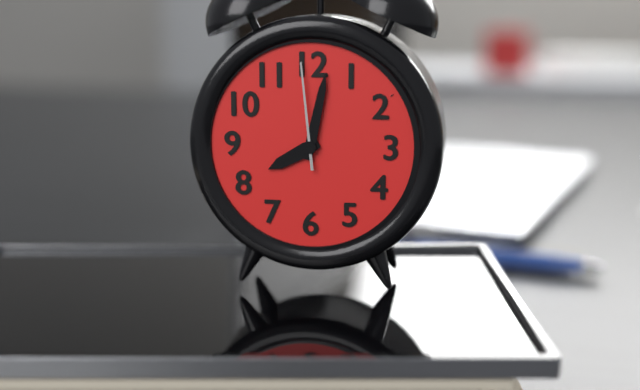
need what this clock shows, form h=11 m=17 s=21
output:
h=8 m=2 s=59
